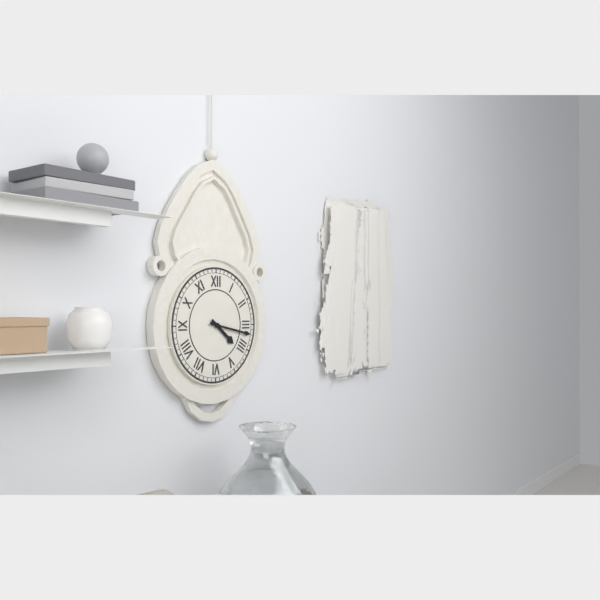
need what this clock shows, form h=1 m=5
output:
h=4 m=17
